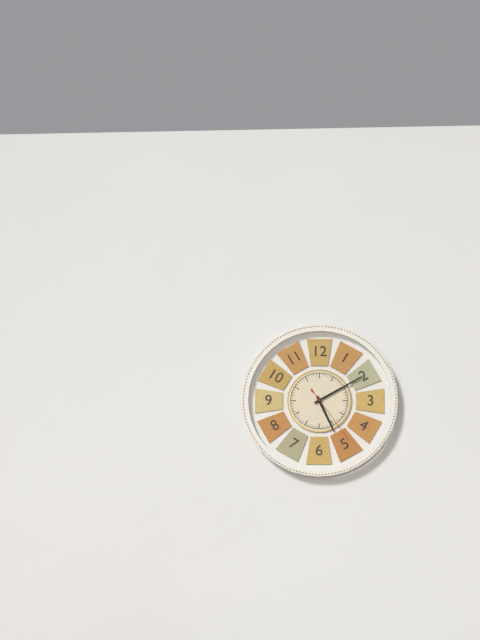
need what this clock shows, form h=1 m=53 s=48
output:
h=5 m=10 s=24
